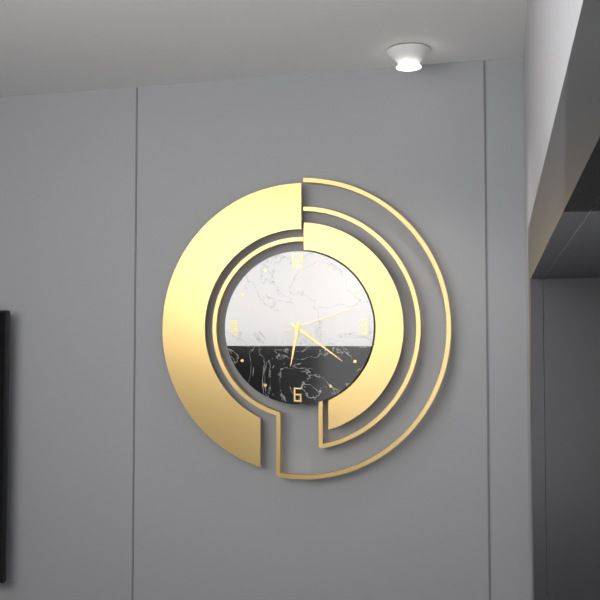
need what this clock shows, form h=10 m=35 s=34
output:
h=6 m=21 s=12
